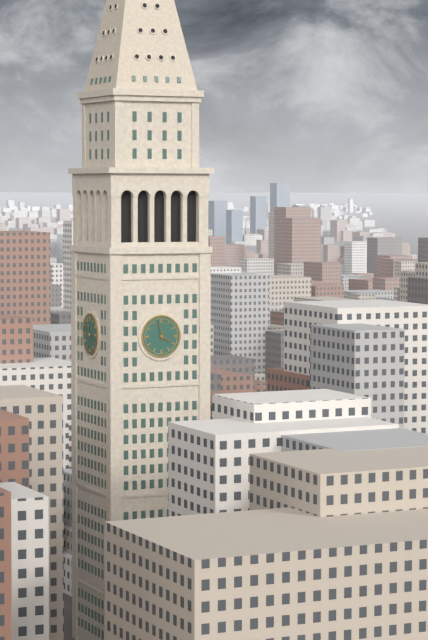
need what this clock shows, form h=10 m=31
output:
h=3 m=58
